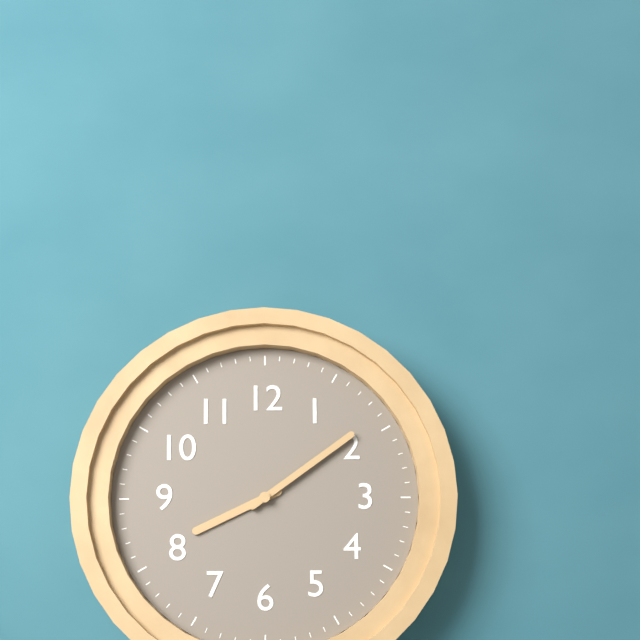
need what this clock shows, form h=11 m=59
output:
h=8 m=9
